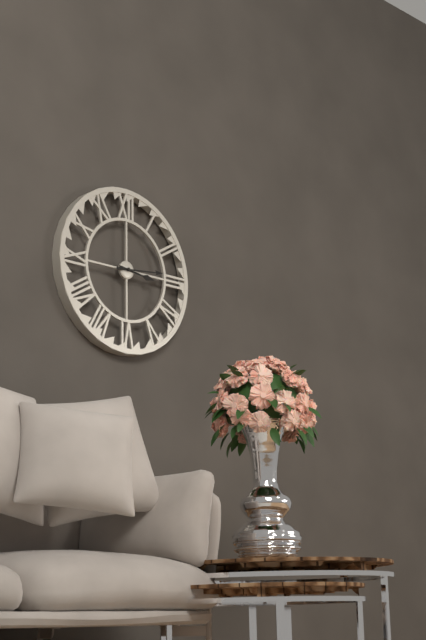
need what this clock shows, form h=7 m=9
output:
h=3 m=14
